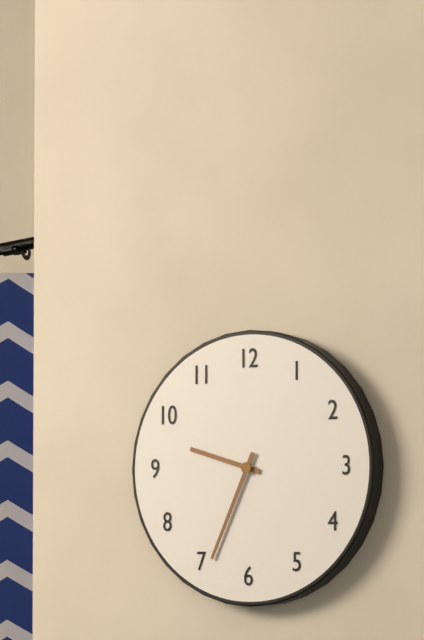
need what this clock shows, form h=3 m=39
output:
h=9 m=34
